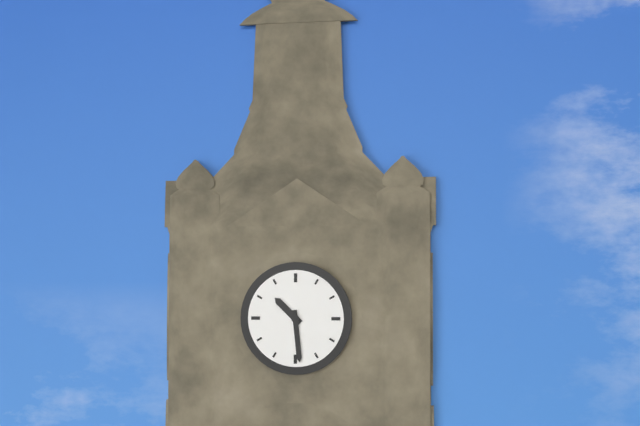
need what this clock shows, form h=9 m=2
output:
h=10 m=29
